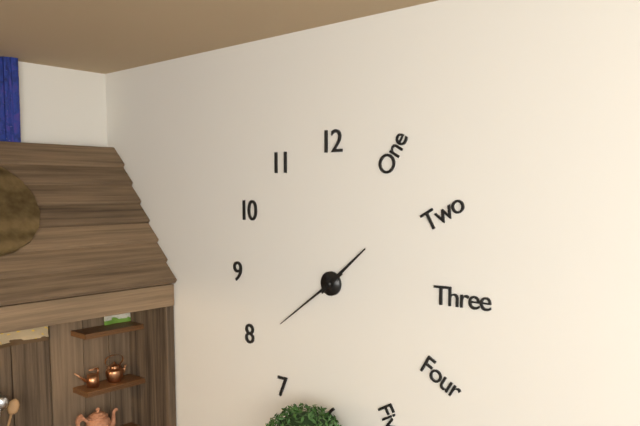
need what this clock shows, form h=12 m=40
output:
h=1 m=39
